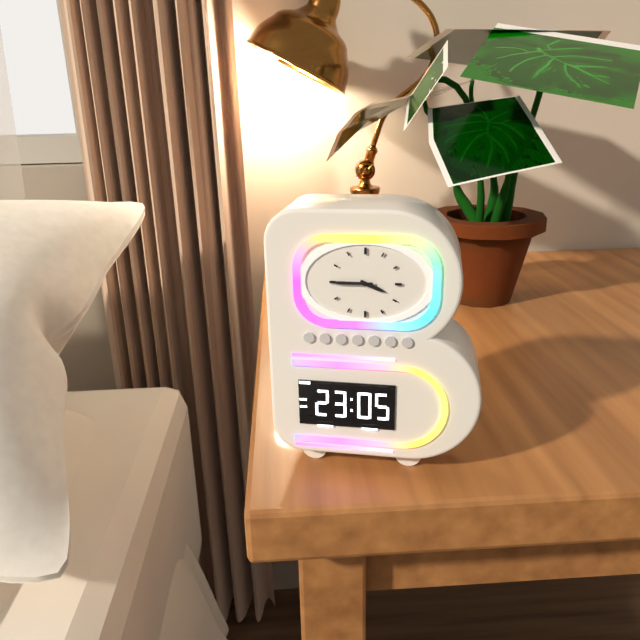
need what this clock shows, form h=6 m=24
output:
h=3 m=45
